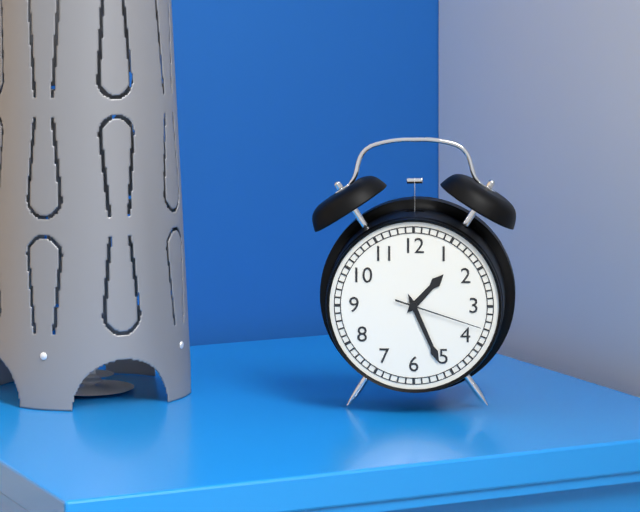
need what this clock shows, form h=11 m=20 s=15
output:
h=1 m=26 s=18
